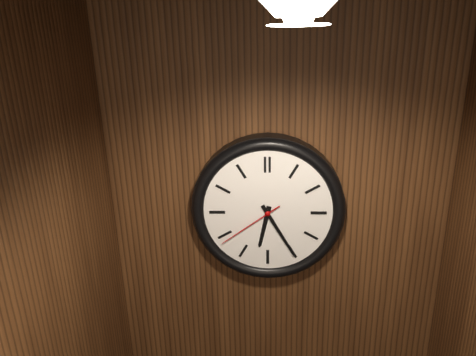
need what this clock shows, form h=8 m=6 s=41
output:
h=6 m=25 s=39
